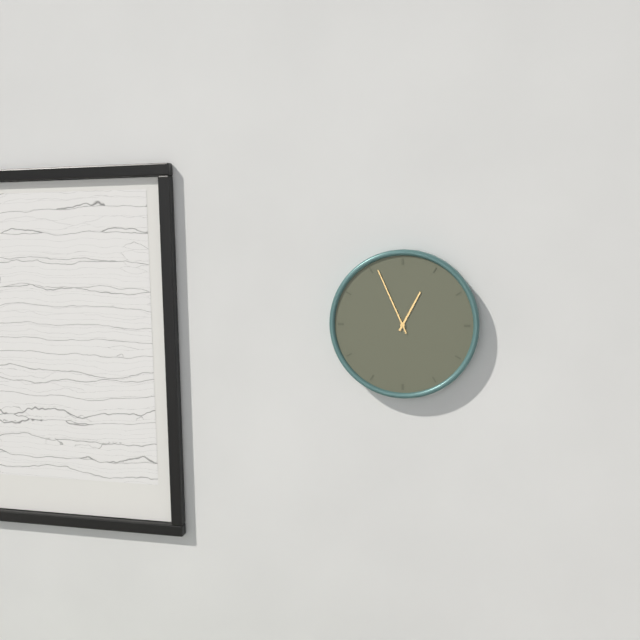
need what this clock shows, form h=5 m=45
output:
h=12 m=56
